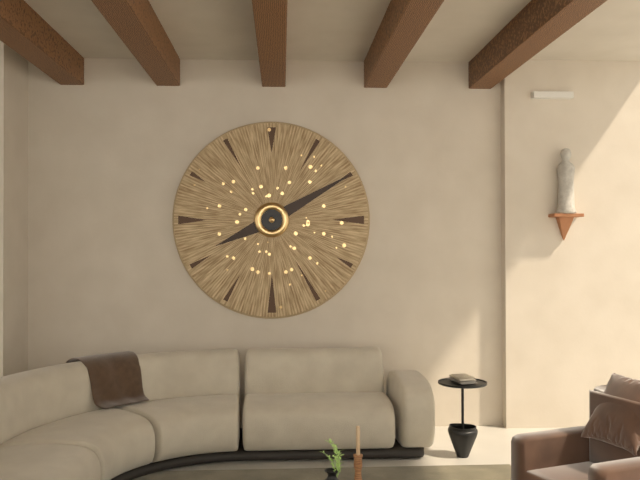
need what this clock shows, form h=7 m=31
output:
h=8 m=10
